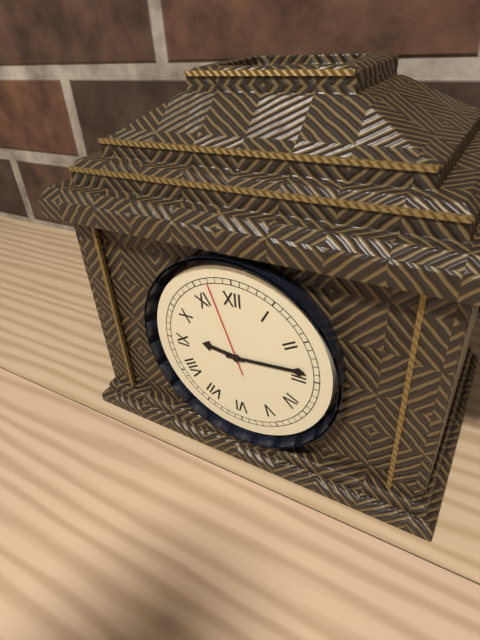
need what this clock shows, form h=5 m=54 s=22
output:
h=9 m=14 s=57
